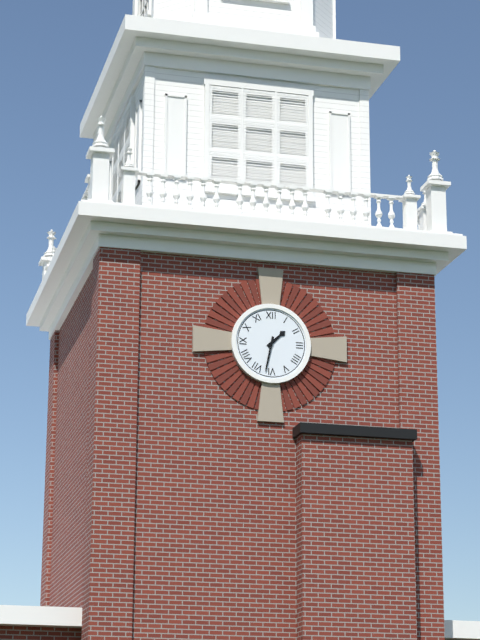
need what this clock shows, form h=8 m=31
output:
h=1 m=32
